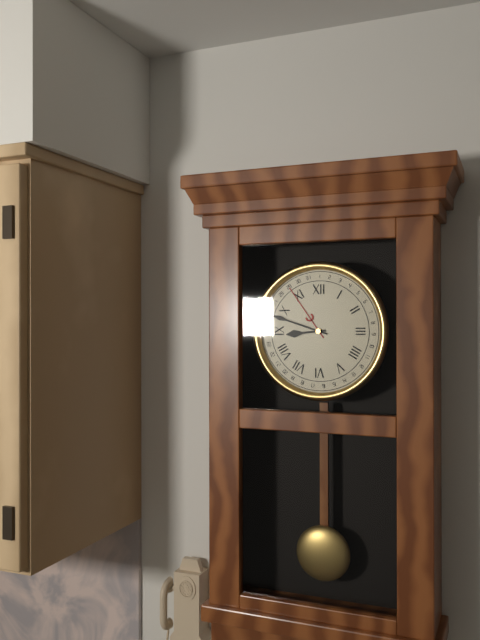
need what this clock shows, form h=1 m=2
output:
h=8 m=48
